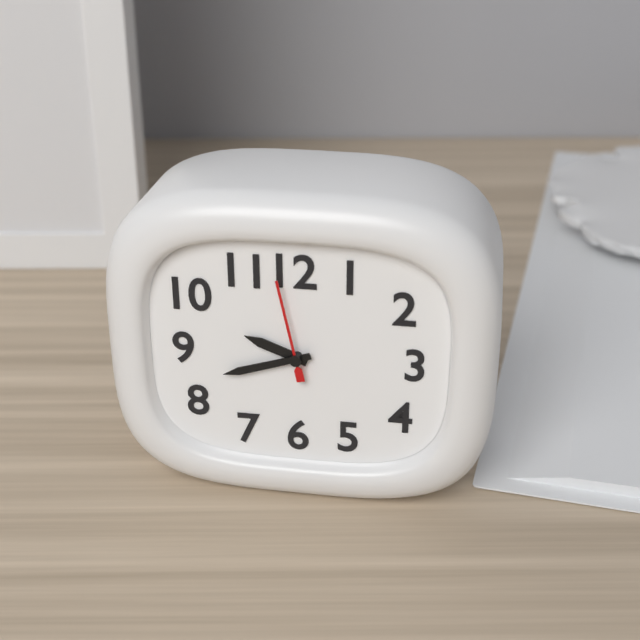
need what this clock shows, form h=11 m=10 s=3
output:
h=9 m=42 s=58
